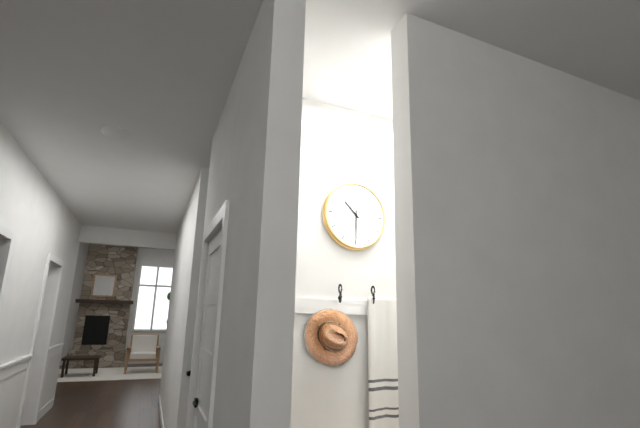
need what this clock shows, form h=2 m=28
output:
h=10 m=30
